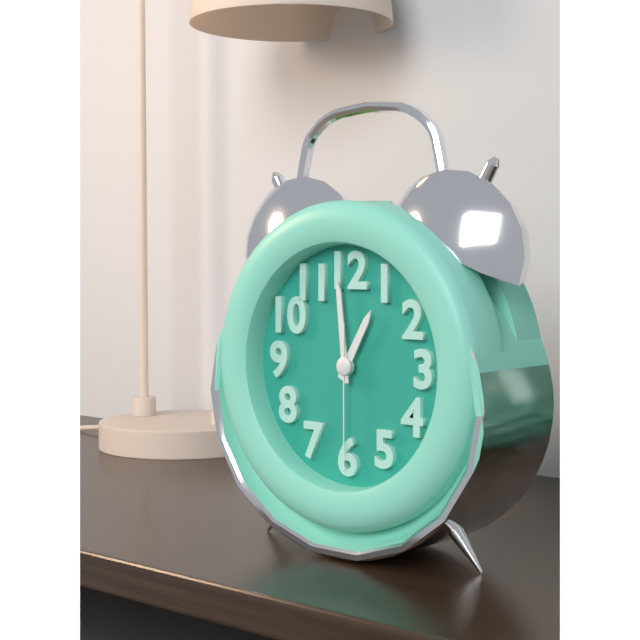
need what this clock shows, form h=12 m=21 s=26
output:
h=12 m=59 s=30
